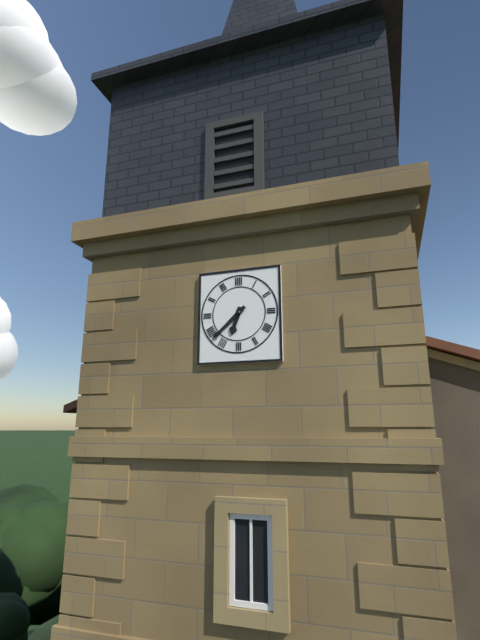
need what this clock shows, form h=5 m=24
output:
h=6 m=38
